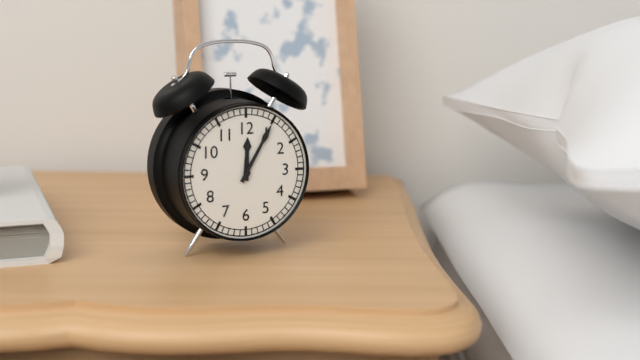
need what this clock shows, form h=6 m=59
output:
h=12 m=5
